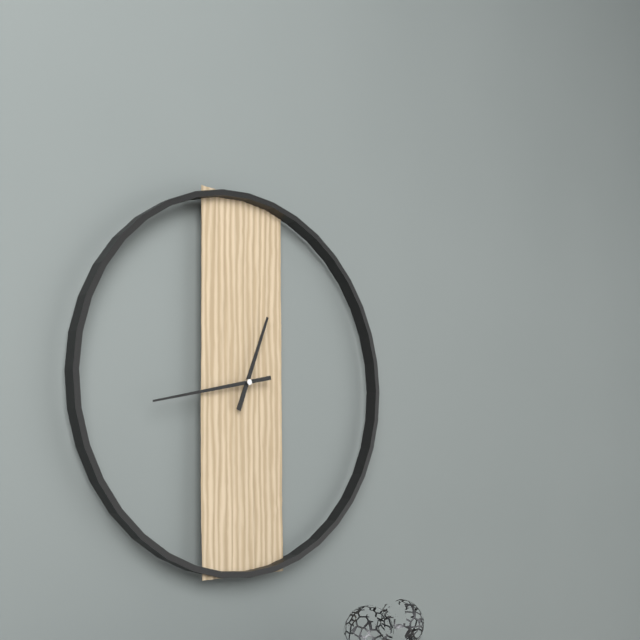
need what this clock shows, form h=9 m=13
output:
h=12 m=43
